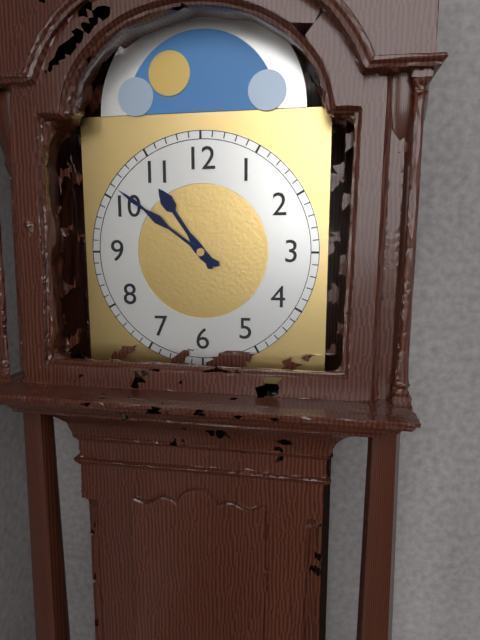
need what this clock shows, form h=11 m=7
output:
h=10 m=51
